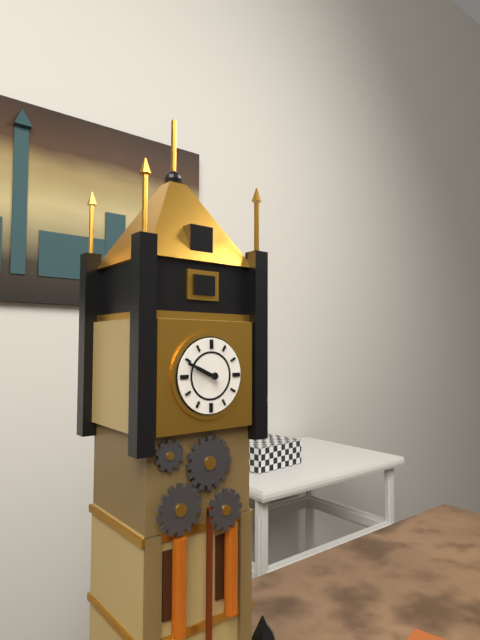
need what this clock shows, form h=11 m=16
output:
h=9 m=49
